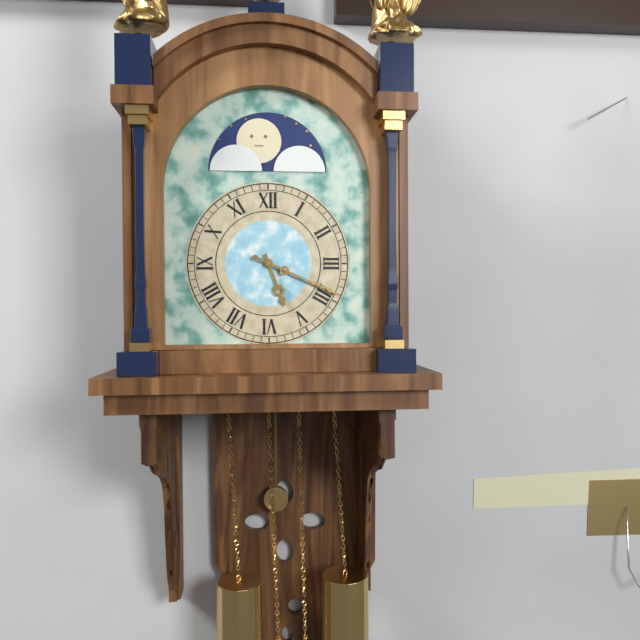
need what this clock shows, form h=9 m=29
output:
h=5 m=19
